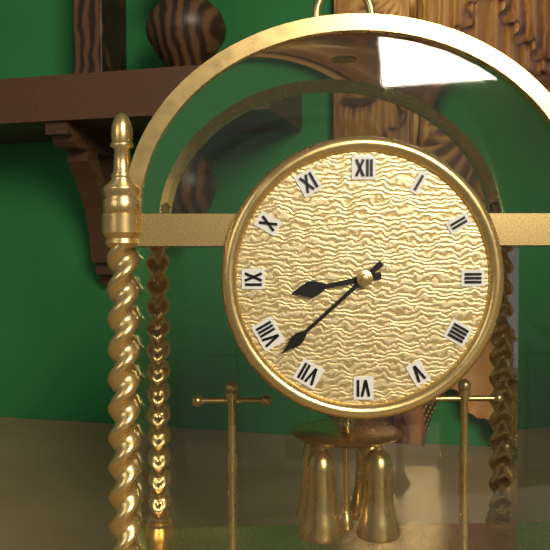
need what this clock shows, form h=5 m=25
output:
h=8 m=38
